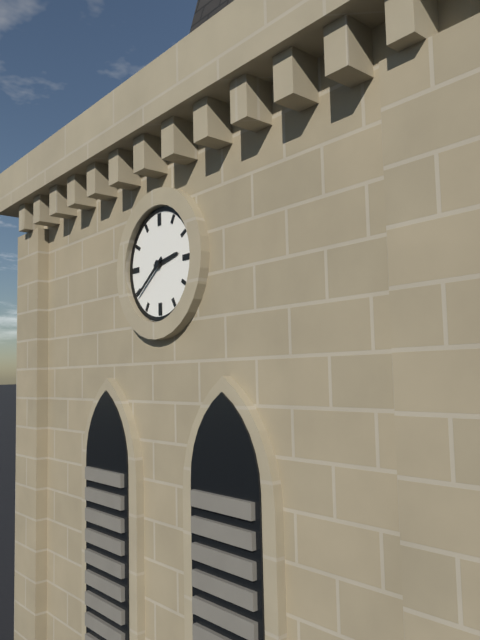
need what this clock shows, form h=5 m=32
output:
h=2 m=39
